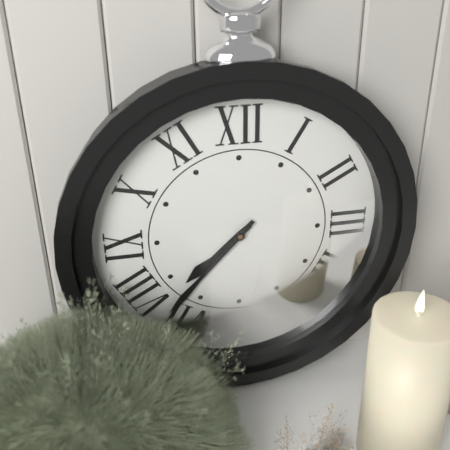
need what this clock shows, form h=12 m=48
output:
h=7 m=37
